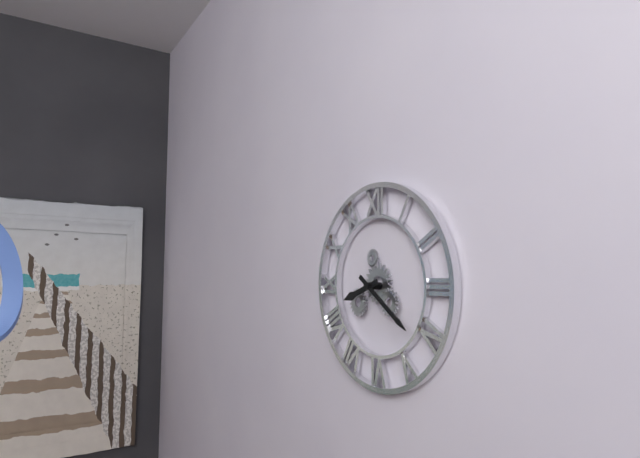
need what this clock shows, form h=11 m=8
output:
h=8 m=21
